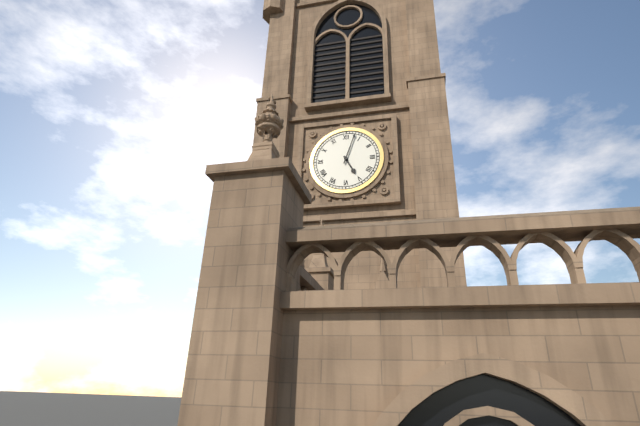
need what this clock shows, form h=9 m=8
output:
h=5 m=3
